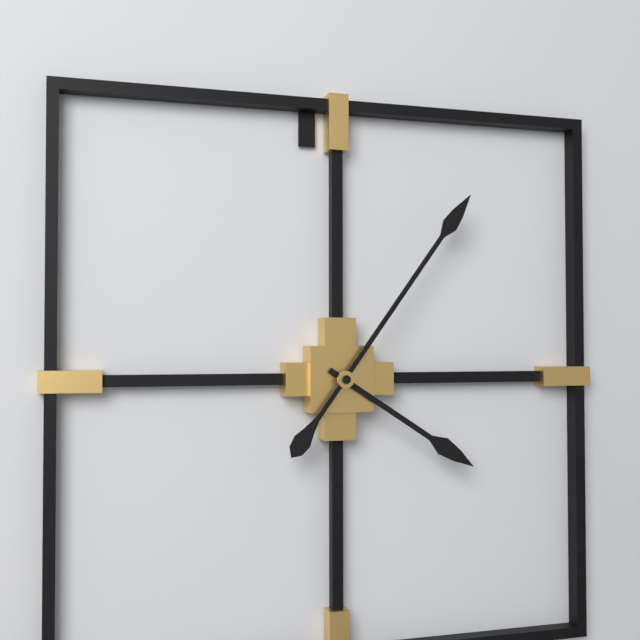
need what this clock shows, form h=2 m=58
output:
h=4 m=6
